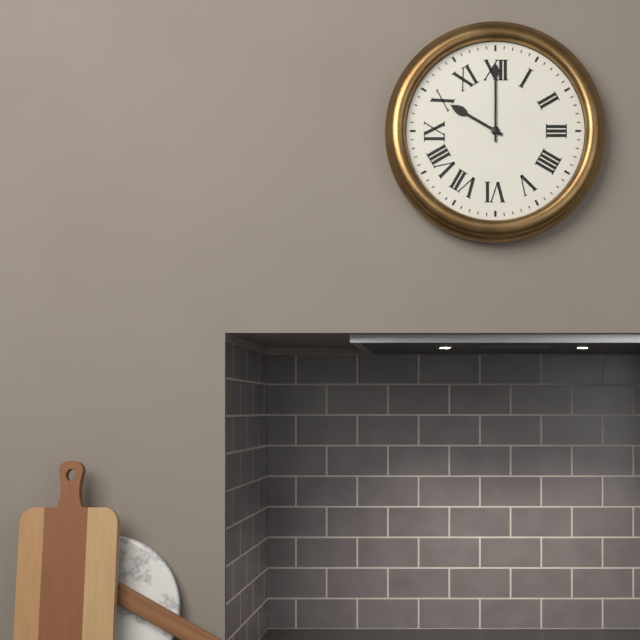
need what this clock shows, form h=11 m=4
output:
h=10 m=0
